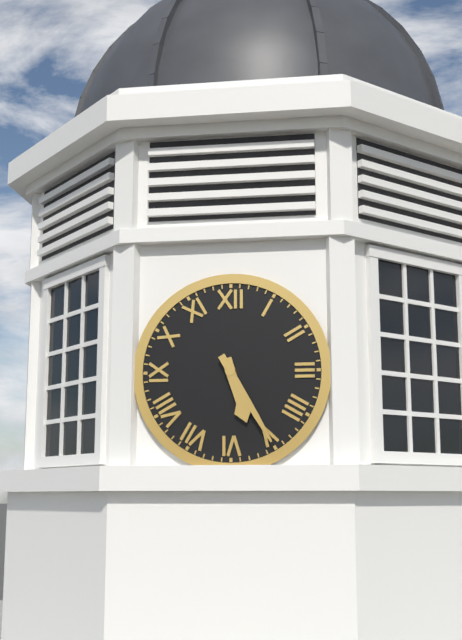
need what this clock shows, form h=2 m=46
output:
h=5 m=25
